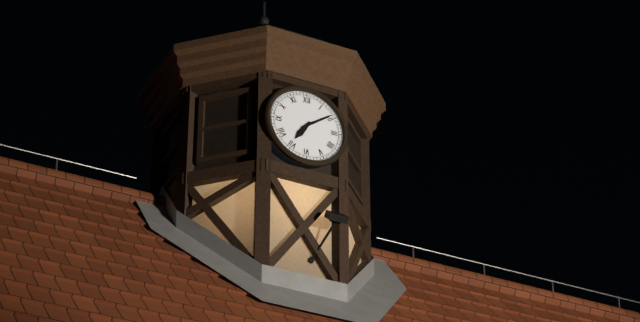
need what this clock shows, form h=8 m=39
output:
h=7 m=9
